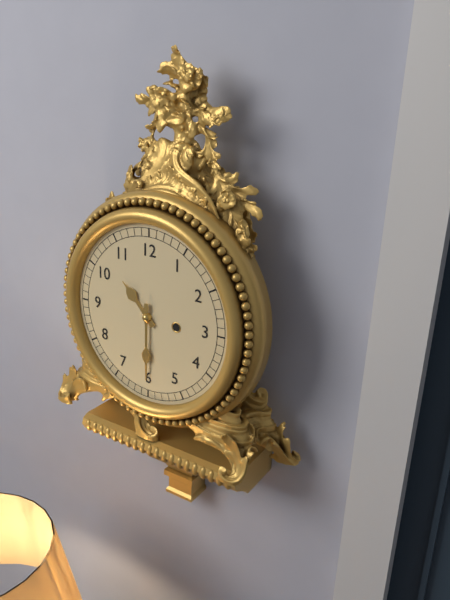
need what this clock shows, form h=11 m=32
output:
h=10 m=30
